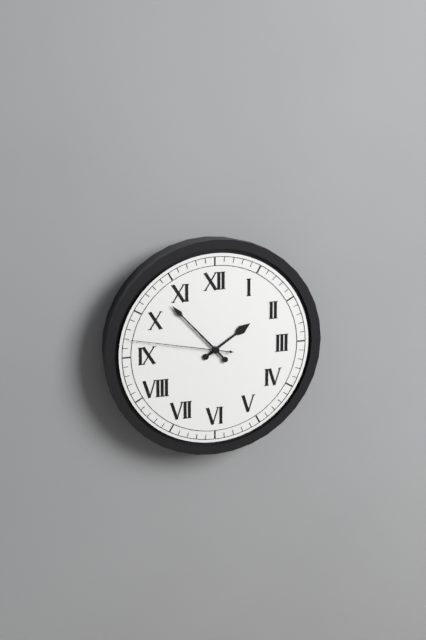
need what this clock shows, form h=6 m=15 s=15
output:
h=1 m=53 s=47
